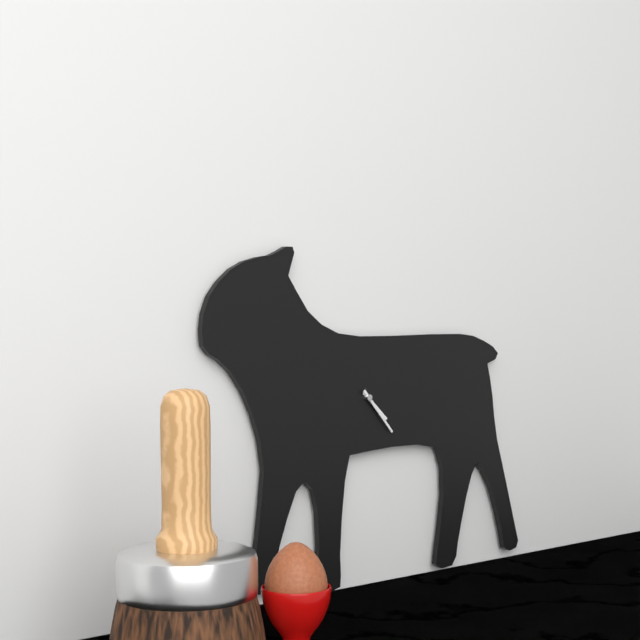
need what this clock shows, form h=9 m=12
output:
h=4 m=23
